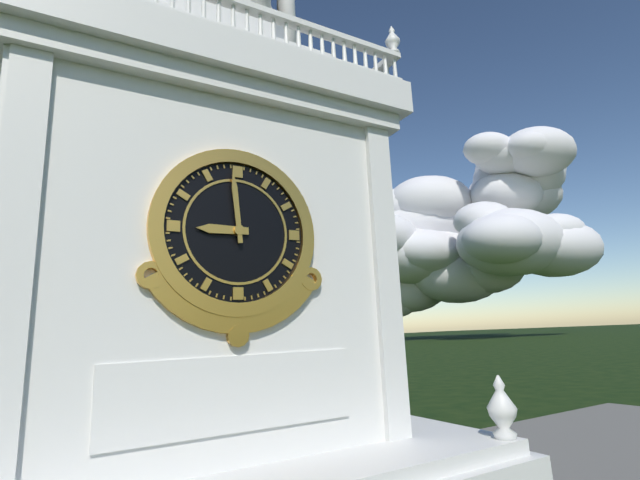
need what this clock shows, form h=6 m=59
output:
h=8 m=59
